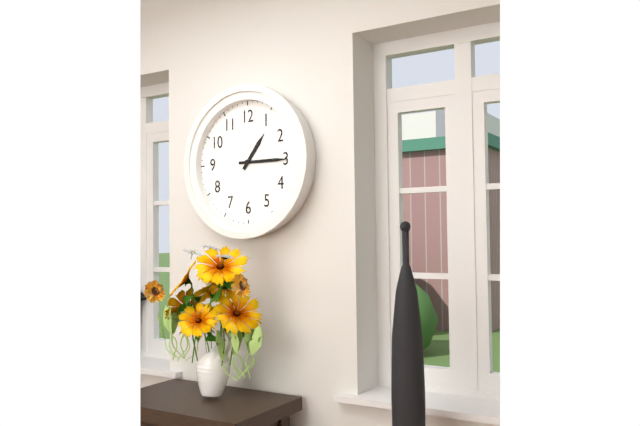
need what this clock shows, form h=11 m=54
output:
h=1 m=15
